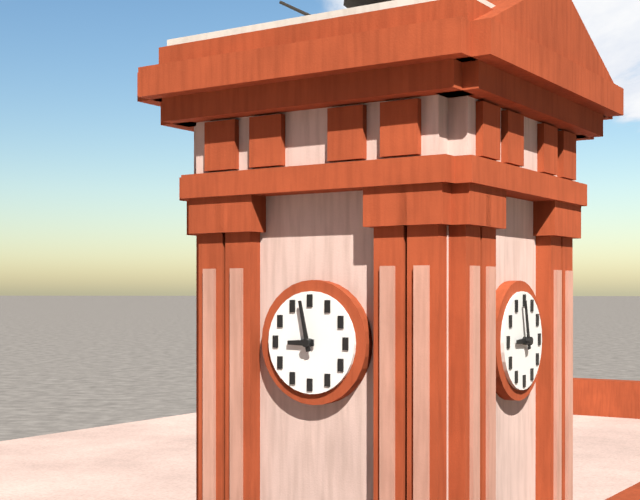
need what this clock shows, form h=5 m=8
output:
h=8 m=58
